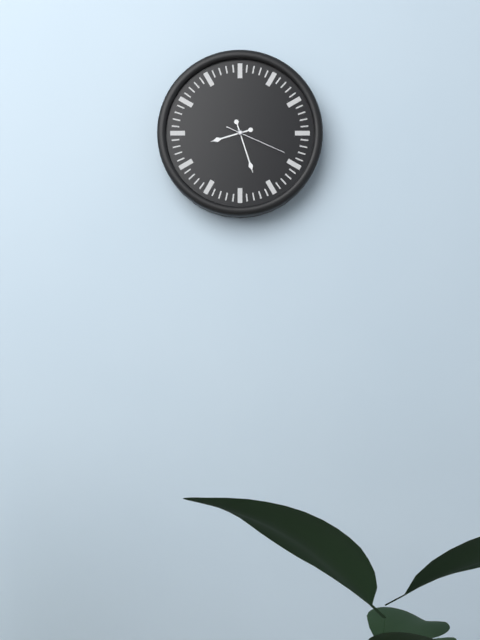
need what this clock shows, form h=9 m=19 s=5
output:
h=8 m=27 s=19
